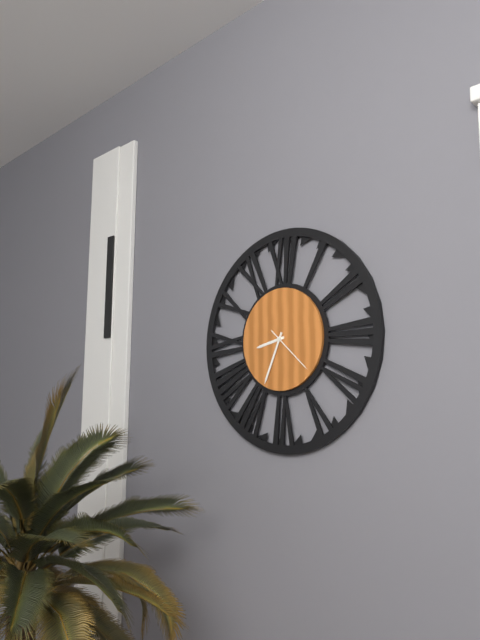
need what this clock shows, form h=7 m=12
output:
h=8 m=34
